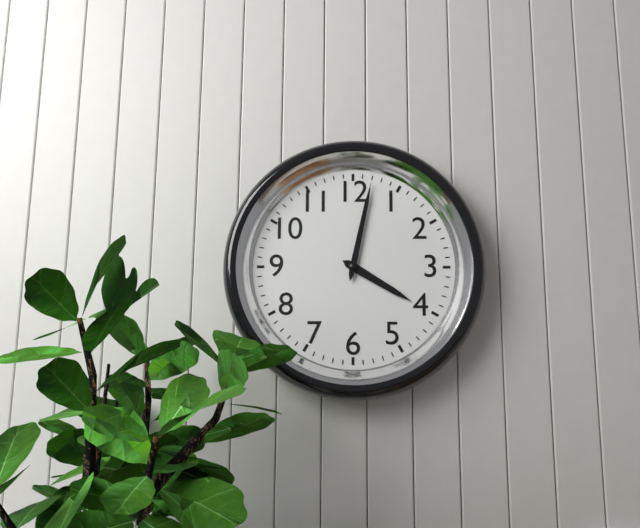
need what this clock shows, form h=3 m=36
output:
h=4 m=2
